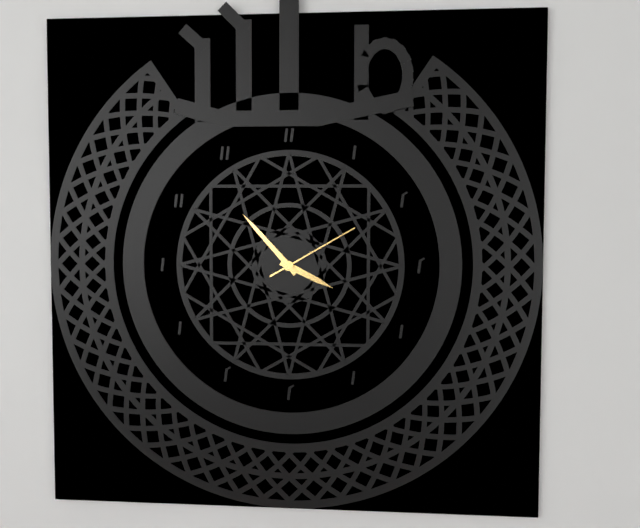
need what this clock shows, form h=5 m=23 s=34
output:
h=3 m=53 s=10
